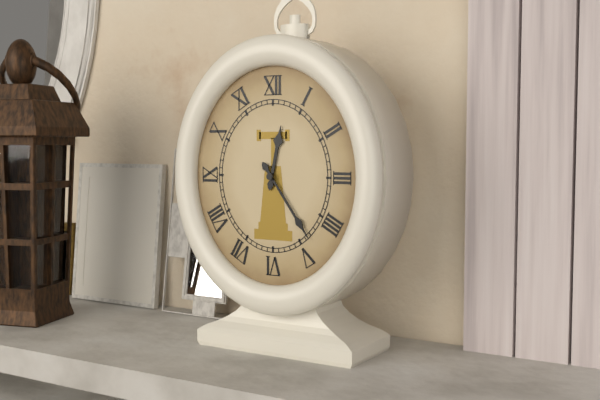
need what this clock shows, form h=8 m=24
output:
h=12 m=24
